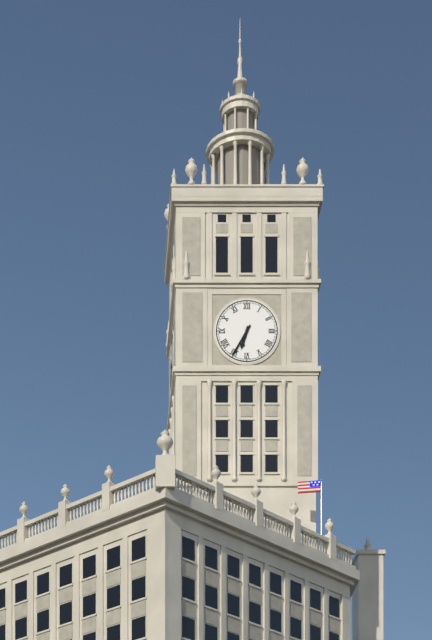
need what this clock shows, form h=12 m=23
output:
h=6 m=35
